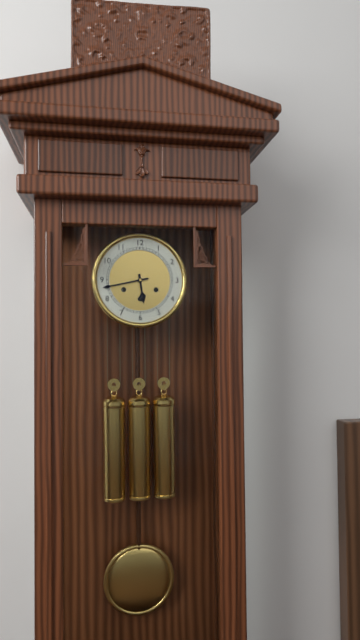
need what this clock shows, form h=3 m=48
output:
h=5 m=43
